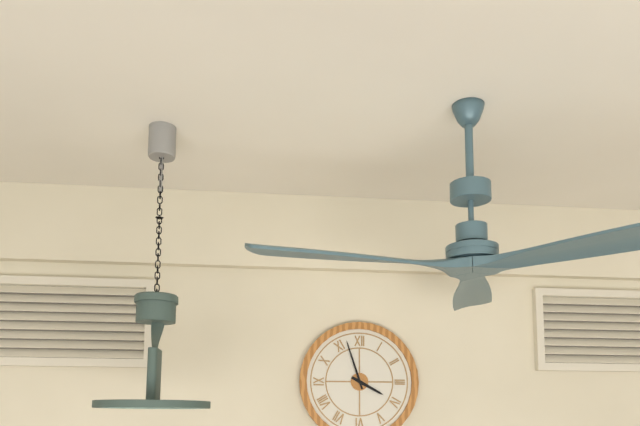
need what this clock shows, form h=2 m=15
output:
h=3 m=57
